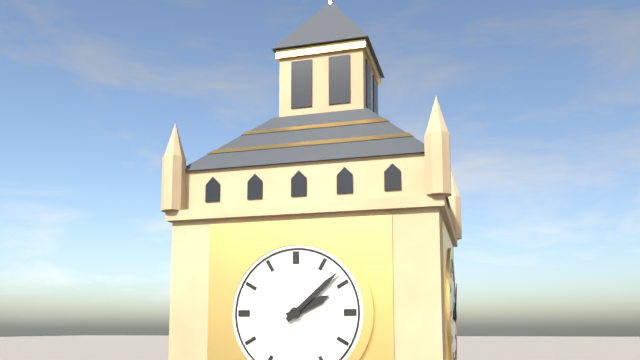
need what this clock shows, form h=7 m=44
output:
h=2 m=8
